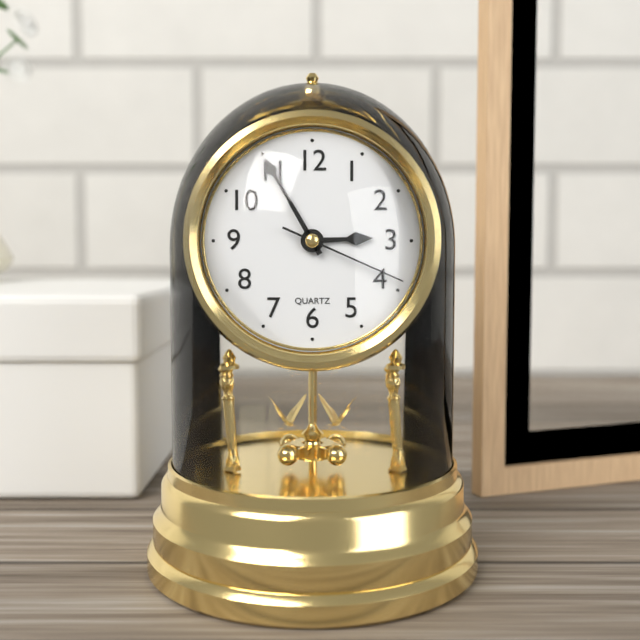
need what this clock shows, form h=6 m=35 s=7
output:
h=2 m=55 s=19
